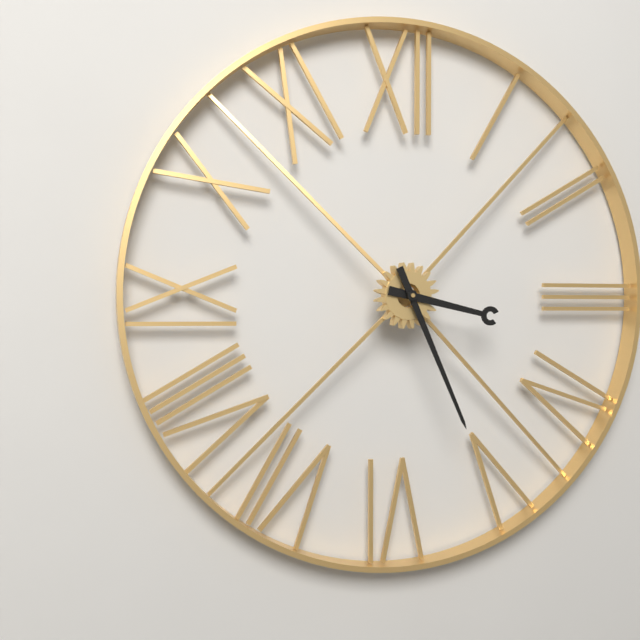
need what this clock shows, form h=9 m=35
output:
h=3 m=26
